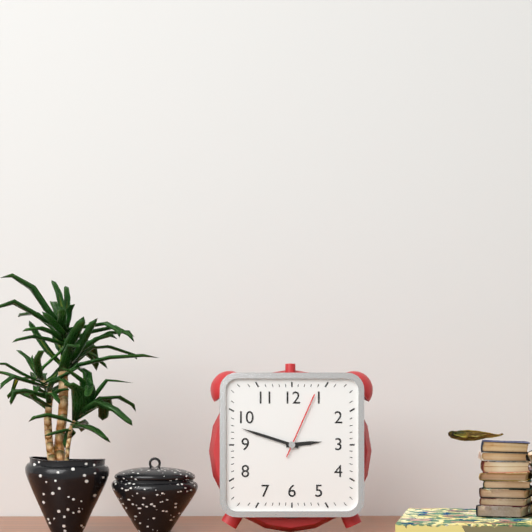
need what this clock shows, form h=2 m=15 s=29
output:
h=2 m=48 s=4
